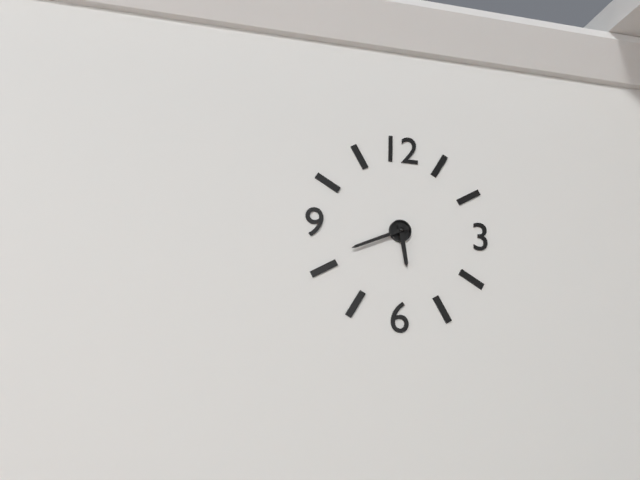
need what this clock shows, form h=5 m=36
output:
h=5 m=41
